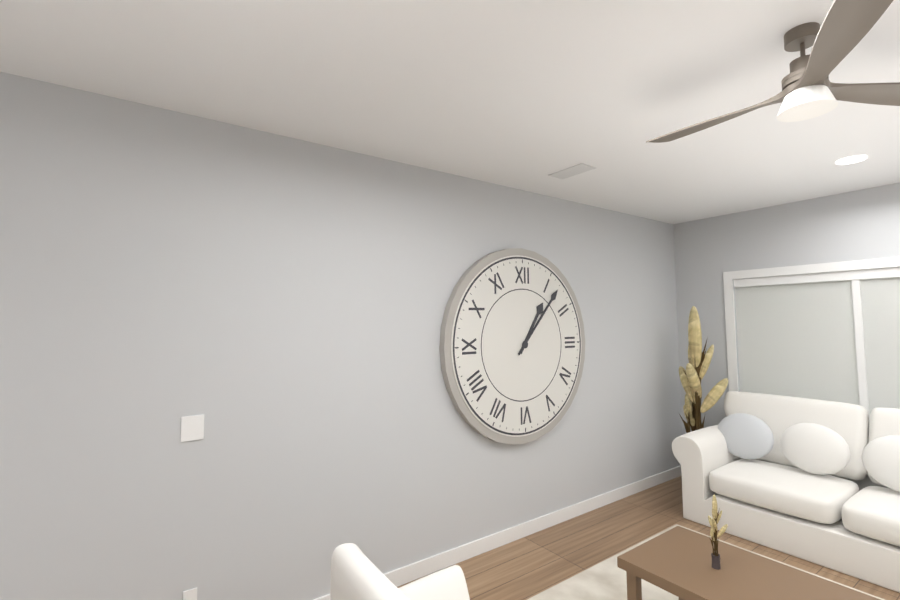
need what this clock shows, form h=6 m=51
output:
h=1 m=7
